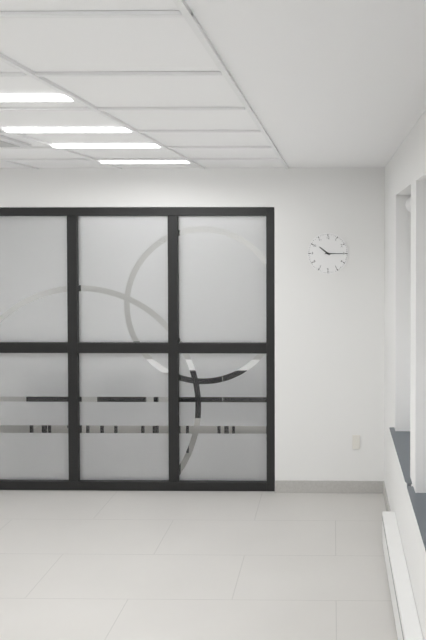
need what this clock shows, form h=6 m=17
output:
h=10 m=15
